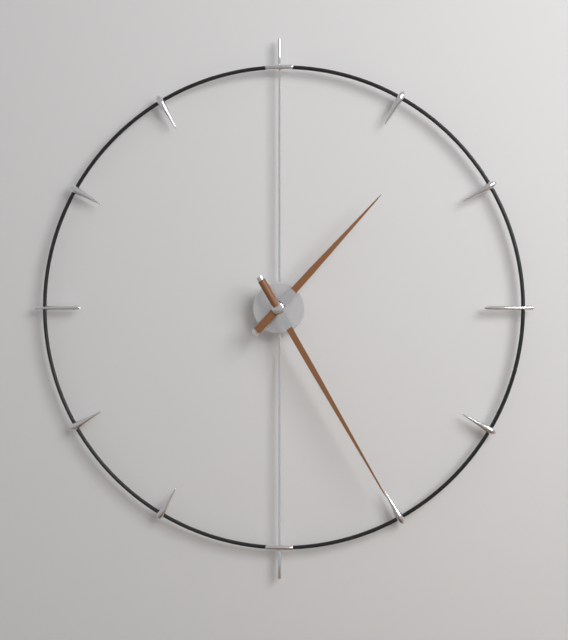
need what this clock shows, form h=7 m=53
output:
h=1 m=25
